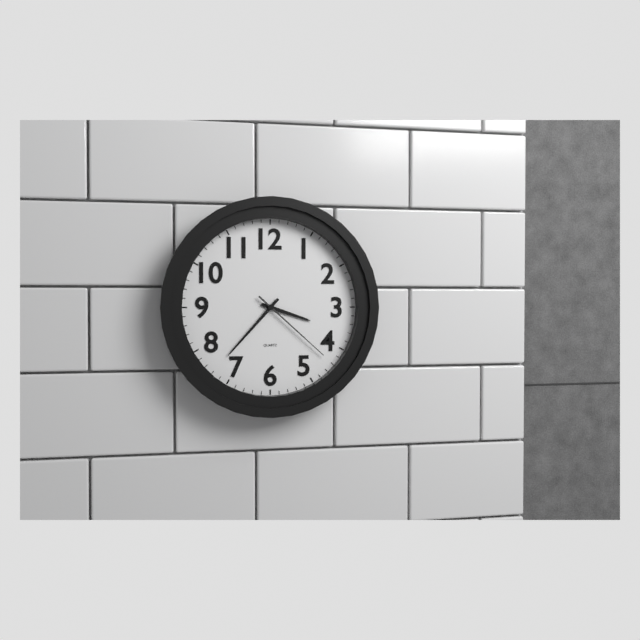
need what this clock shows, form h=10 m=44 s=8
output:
h=3 m=37 s=22
